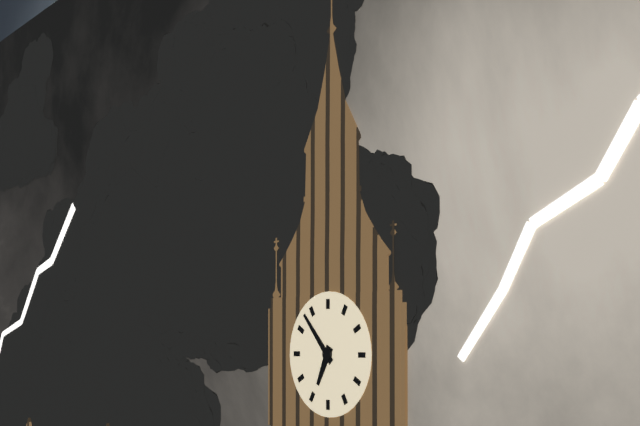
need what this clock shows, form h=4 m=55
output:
h=6 m=53
